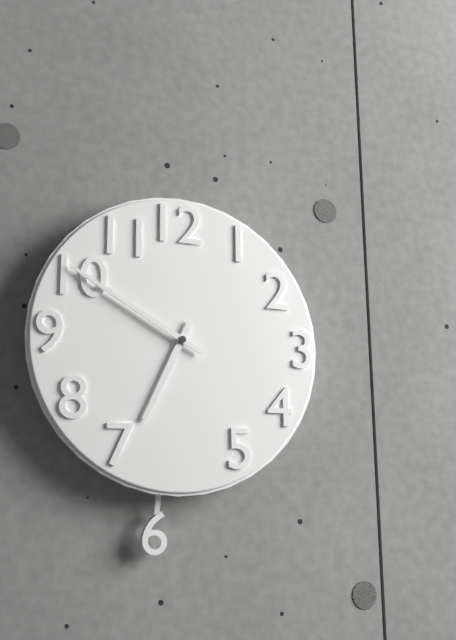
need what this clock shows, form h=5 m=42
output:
h=6 m=50
